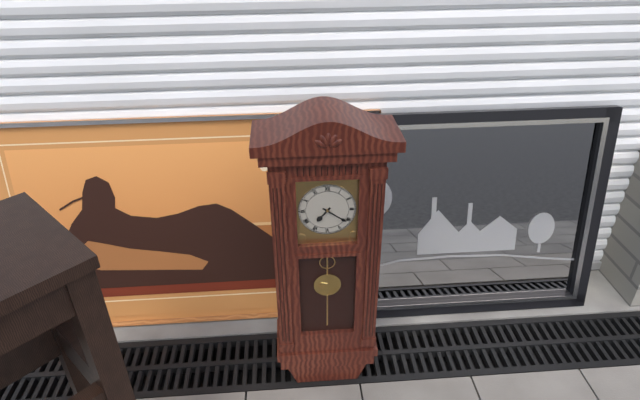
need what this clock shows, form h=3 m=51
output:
h=7 m=21
